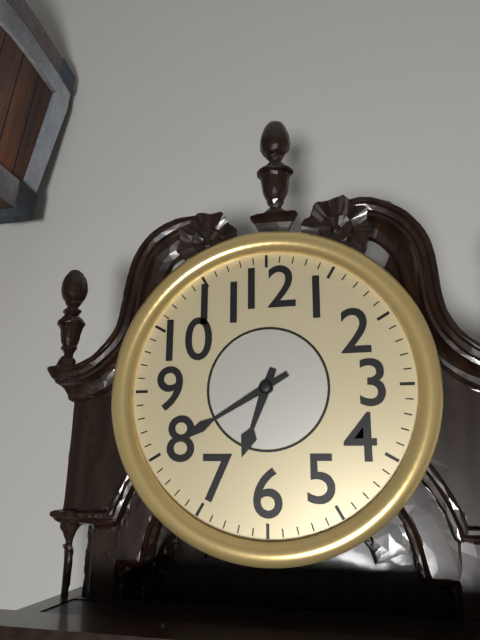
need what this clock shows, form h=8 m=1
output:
h=6 m=40
